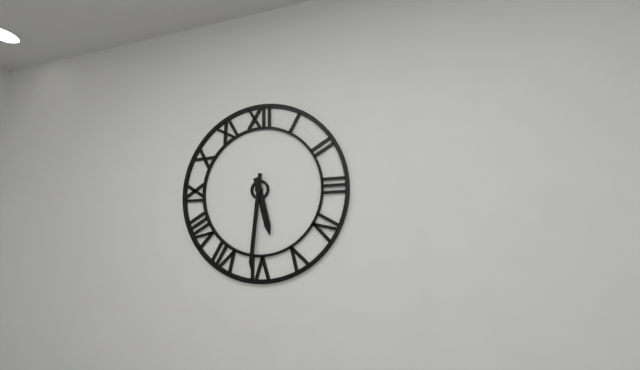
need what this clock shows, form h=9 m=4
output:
h=5 m=31
